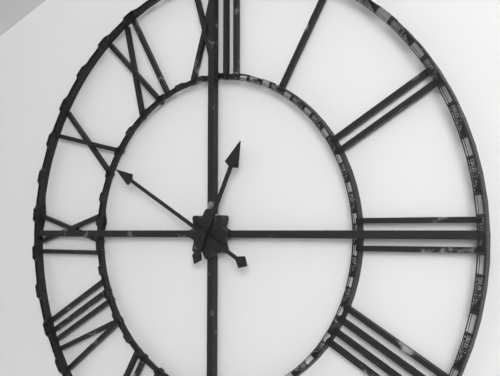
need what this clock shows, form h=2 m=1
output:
h=12 m=50
